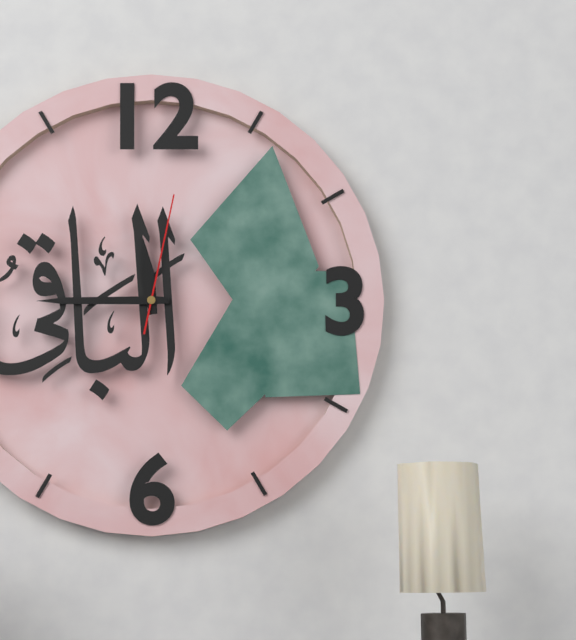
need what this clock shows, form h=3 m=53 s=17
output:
h=11 m=45 s=2
